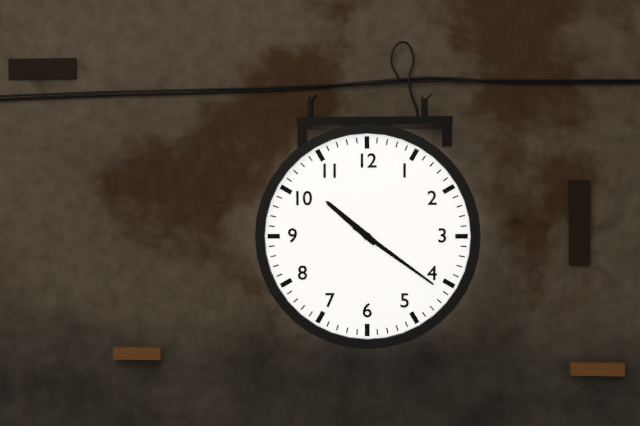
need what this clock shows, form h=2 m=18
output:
h=10 m=21
